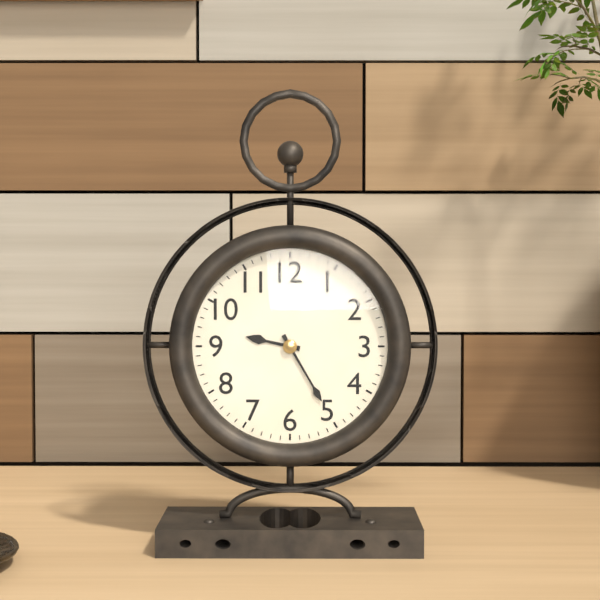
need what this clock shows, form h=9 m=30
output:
h=9 m=25
